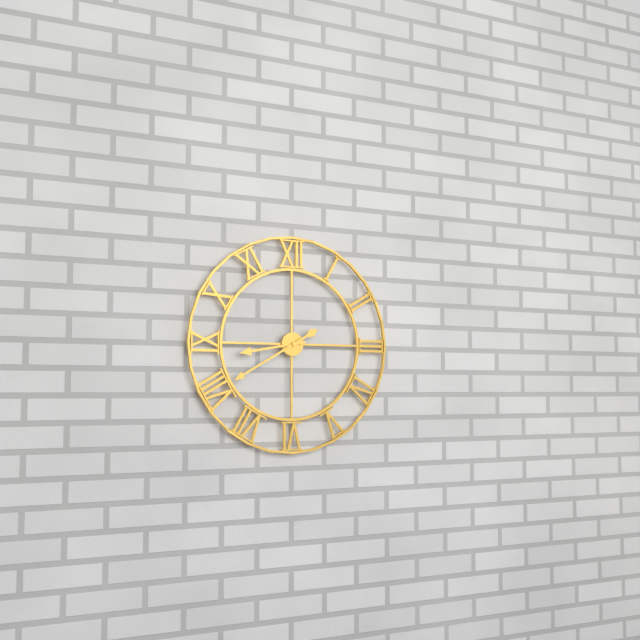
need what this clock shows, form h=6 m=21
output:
h=8 m=40
